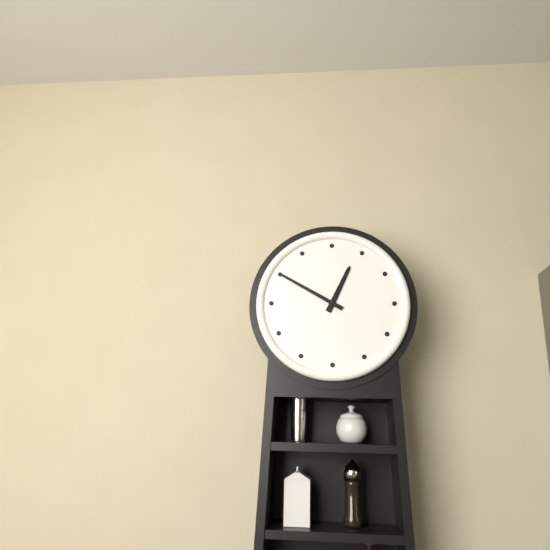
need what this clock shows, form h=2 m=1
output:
h=12 m=50
